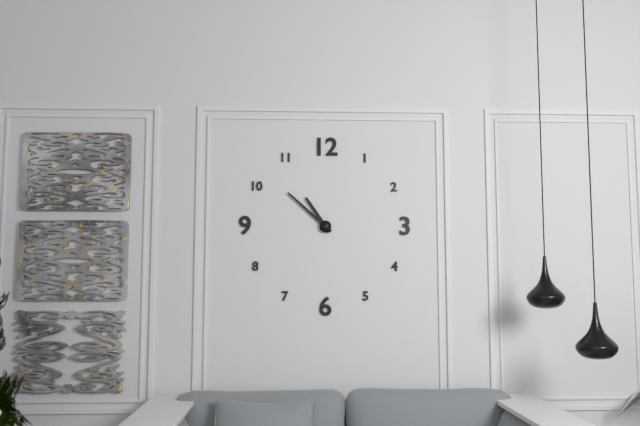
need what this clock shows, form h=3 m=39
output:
h=10 m=52
